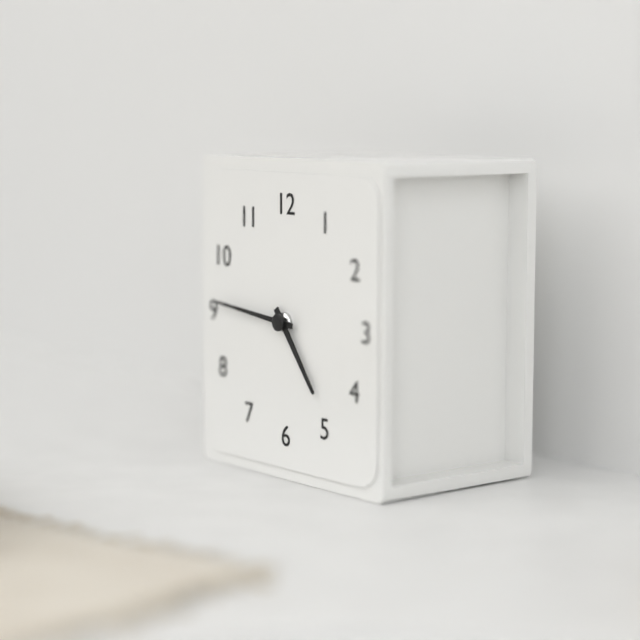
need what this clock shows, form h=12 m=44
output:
h=4 m=46
